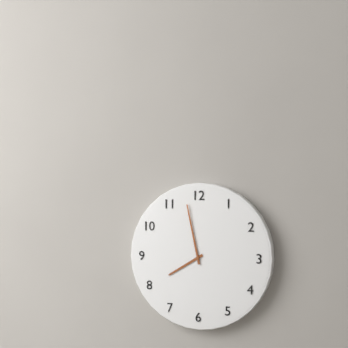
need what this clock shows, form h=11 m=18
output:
h=7 m=58
